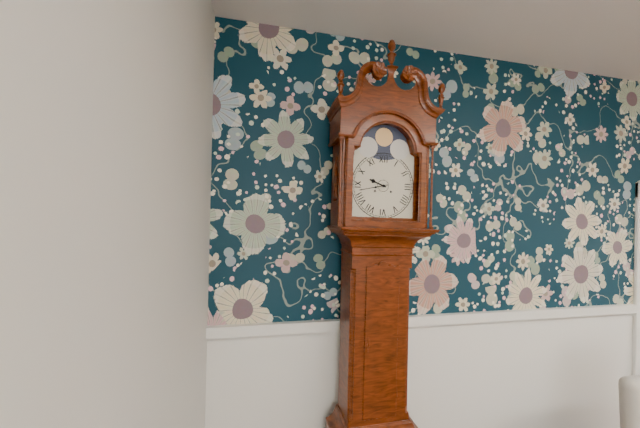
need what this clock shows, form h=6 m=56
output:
h=9 m=43
